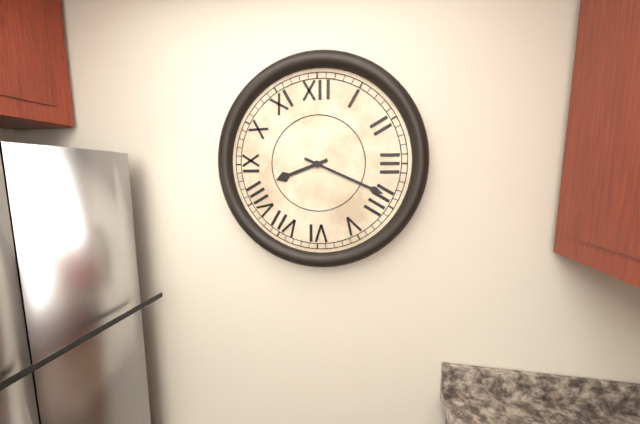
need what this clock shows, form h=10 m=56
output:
h=8 m=19
